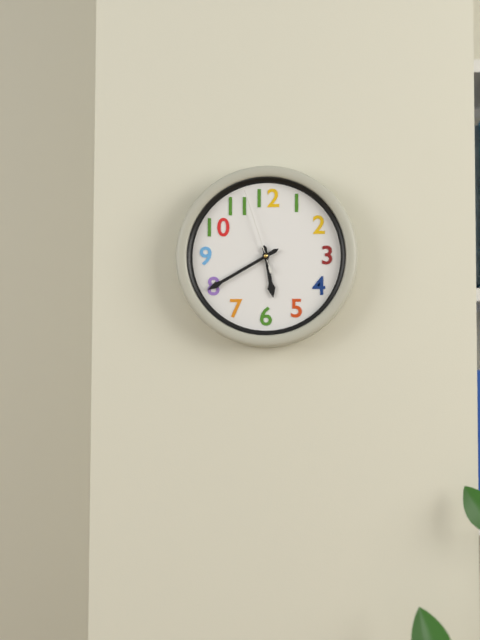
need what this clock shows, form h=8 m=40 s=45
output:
h=5 m=40 s=57
